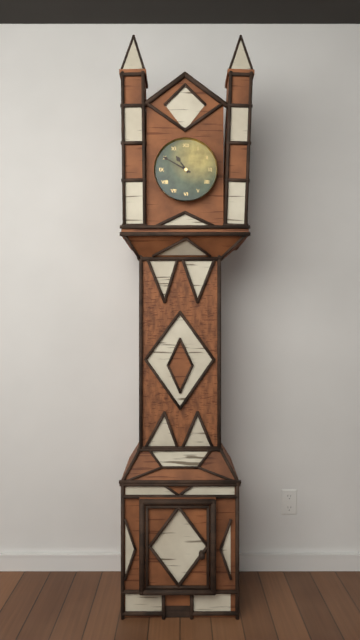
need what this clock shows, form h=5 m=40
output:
h=10 m=50
